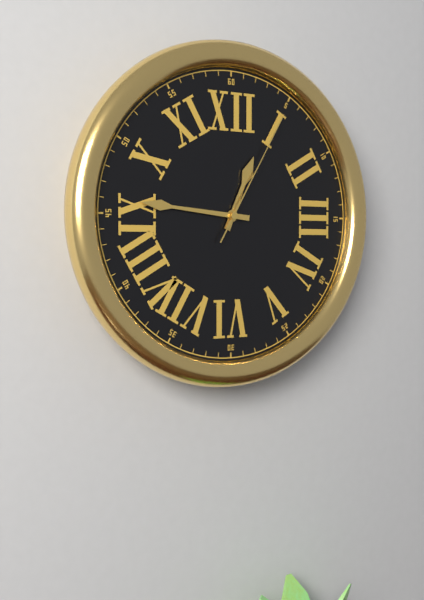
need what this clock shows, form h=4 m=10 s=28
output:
h=12 m=46 s=5
